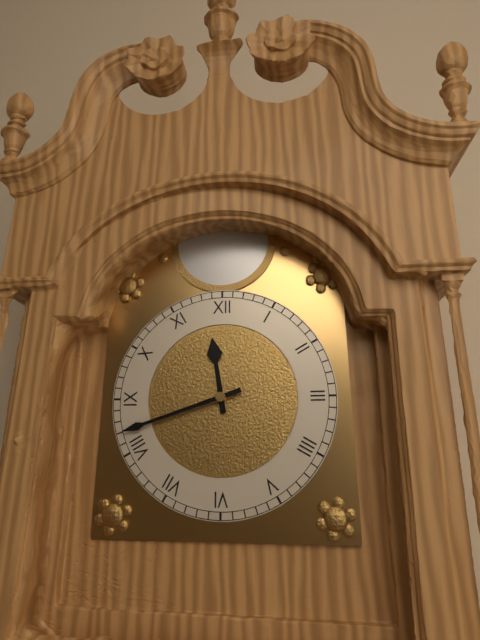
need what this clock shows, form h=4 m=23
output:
h=11 m=42
